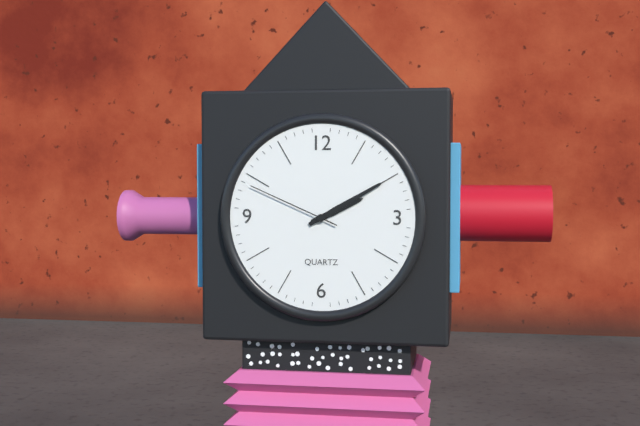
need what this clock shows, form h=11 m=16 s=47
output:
h=2 m=10 s=49
